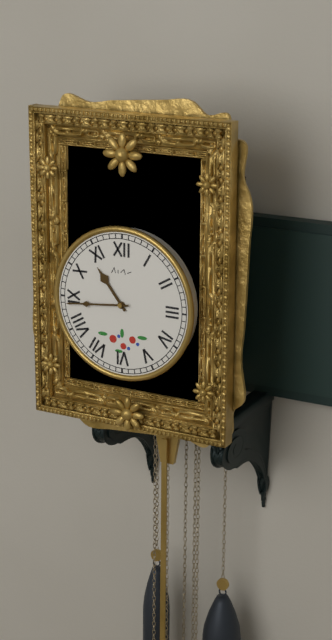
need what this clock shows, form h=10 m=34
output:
h=10 m=44
